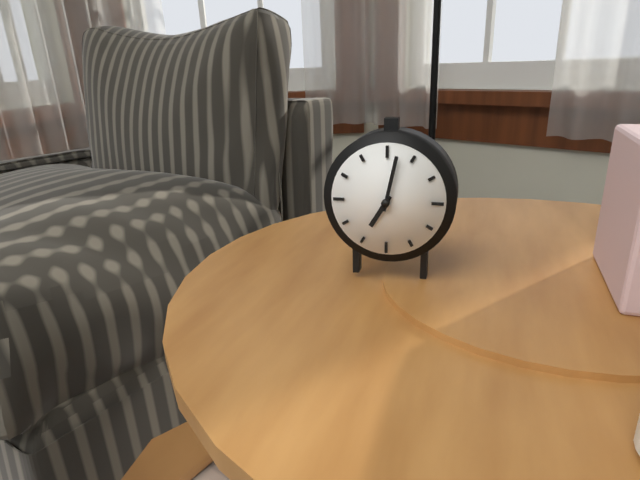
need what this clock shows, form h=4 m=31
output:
h=7 m=2
